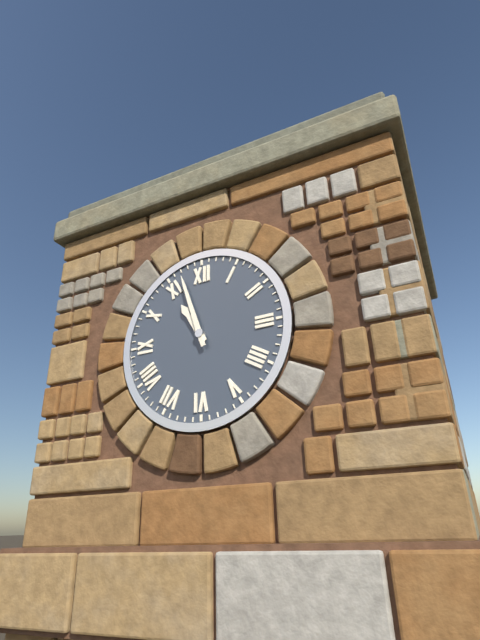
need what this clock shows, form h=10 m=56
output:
h=10 m=57
